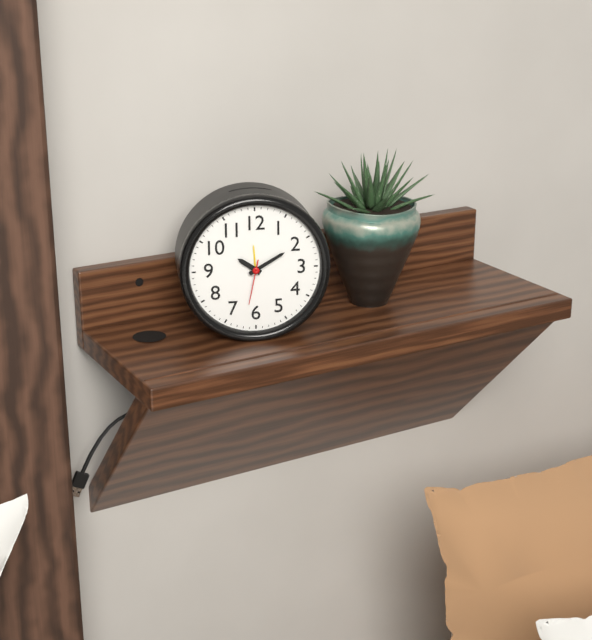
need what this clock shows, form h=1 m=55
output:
h=10 m=10
